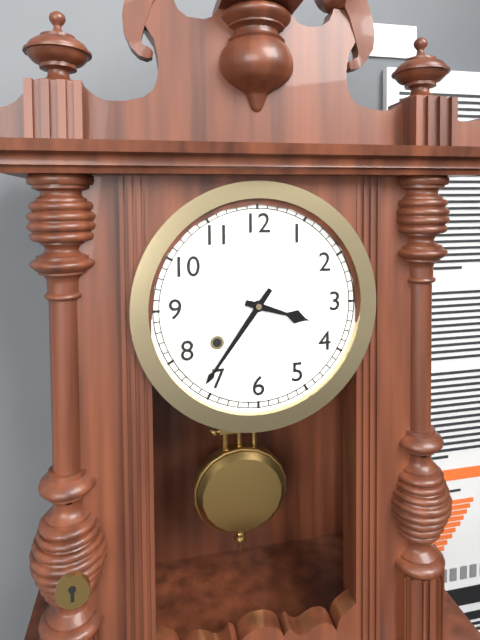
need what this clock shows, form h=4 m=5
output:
h=3 m=36
